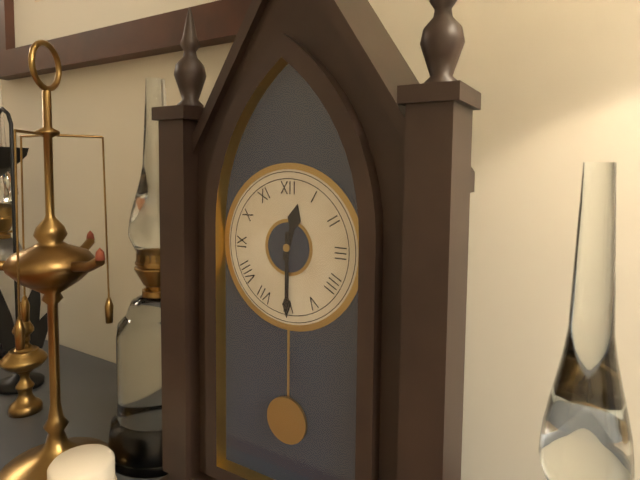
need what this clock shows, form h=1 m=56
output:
h=12 m=30
